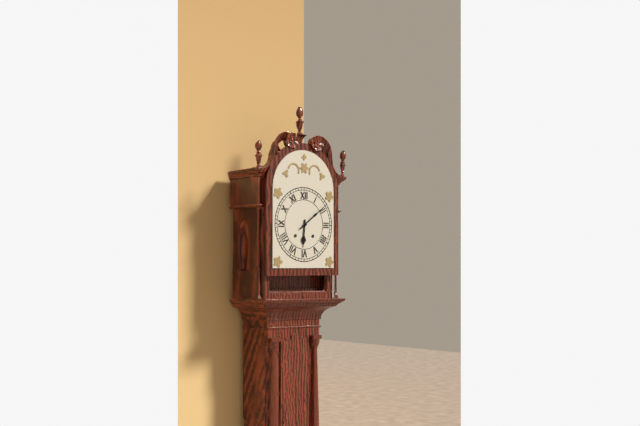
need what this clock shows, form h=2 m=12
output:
h=6 m=9
